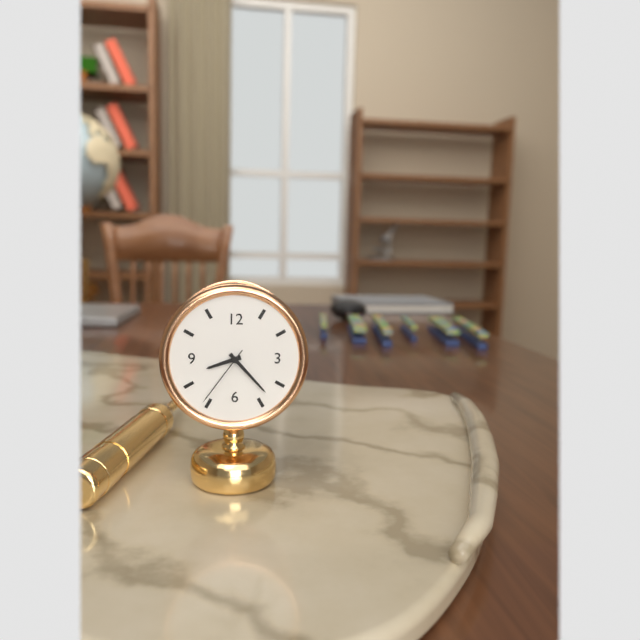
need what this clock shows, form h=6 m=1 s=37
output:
h=8 m=23 s=36
